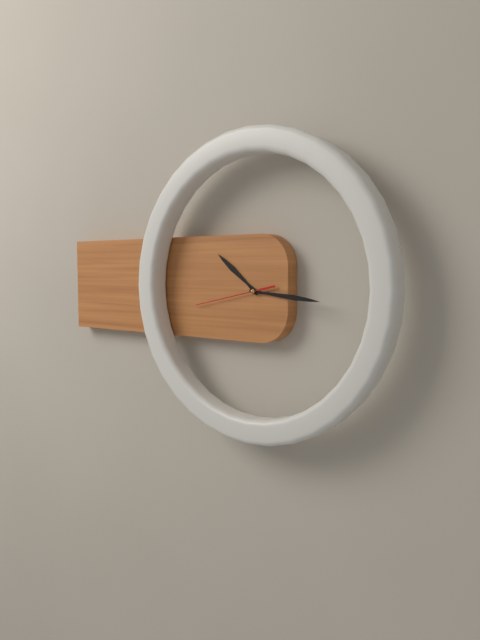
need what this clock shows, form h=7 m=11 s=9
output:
h=10 m=16 s=43
